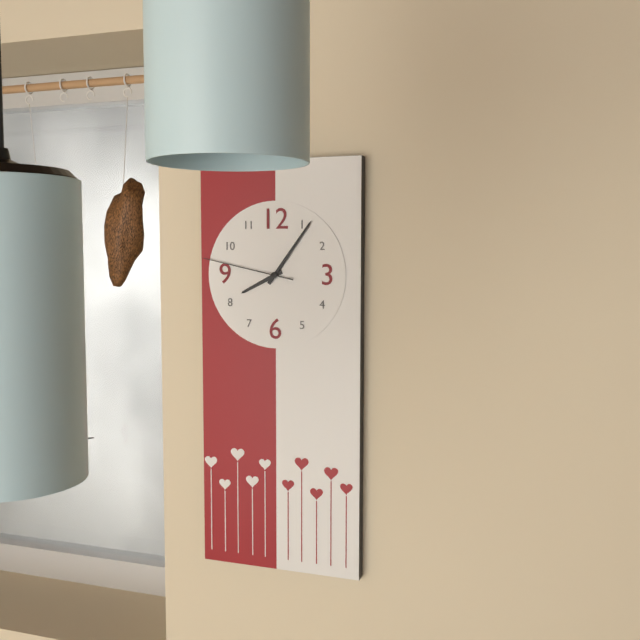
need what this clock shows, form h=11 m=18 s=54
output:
h=8 m=6 s=47
